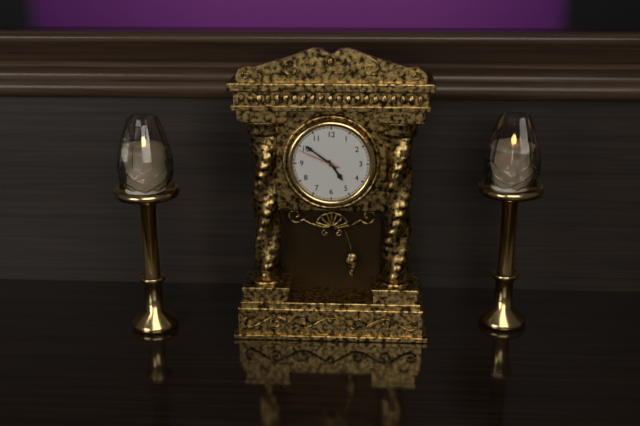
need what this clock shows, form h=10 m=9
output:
h=4 m=51
